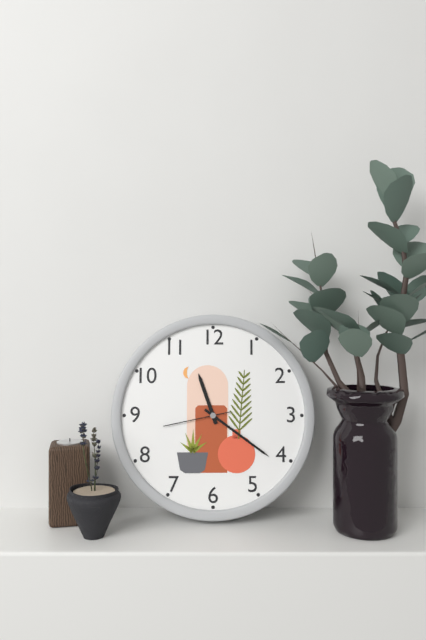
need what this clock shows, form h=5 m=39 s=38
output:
h=11 m=21 s=43
